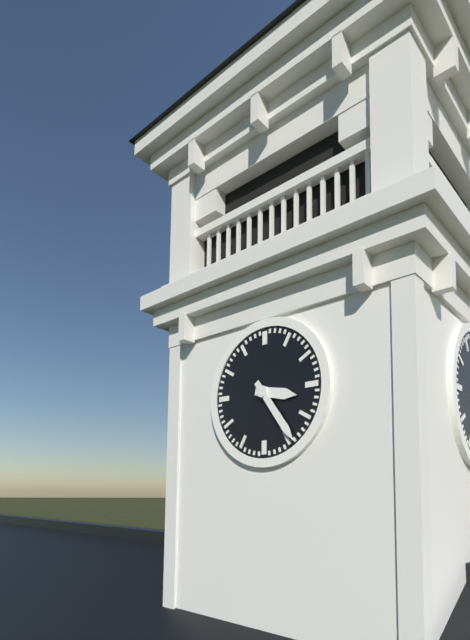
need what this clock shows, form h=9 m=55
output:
h=3 m=24
